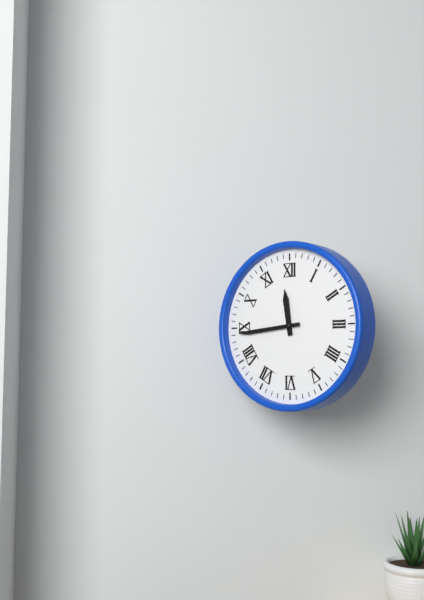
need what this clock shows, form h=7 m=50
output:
h=11 m=44
